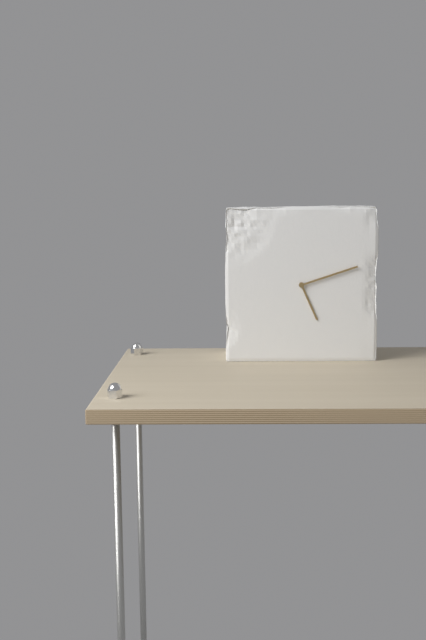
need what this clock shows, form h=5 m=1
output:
h=5 m=12
